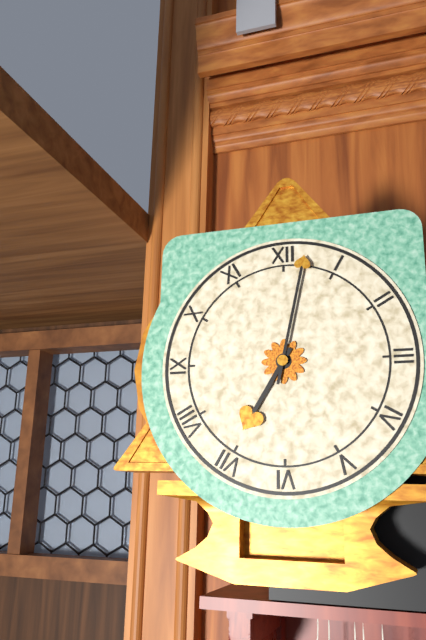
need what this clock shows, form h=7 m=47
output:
h=7 m=2
